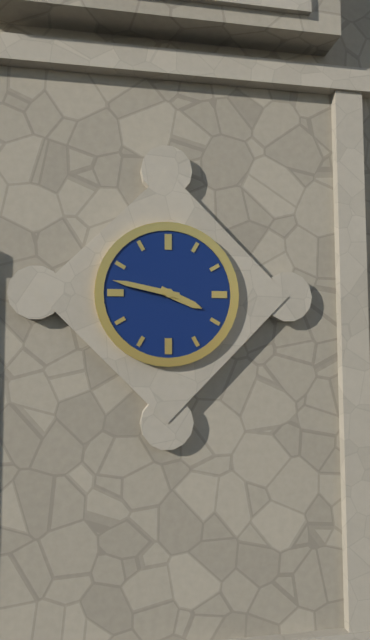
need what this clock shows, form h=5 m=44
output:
h=3 m=47
